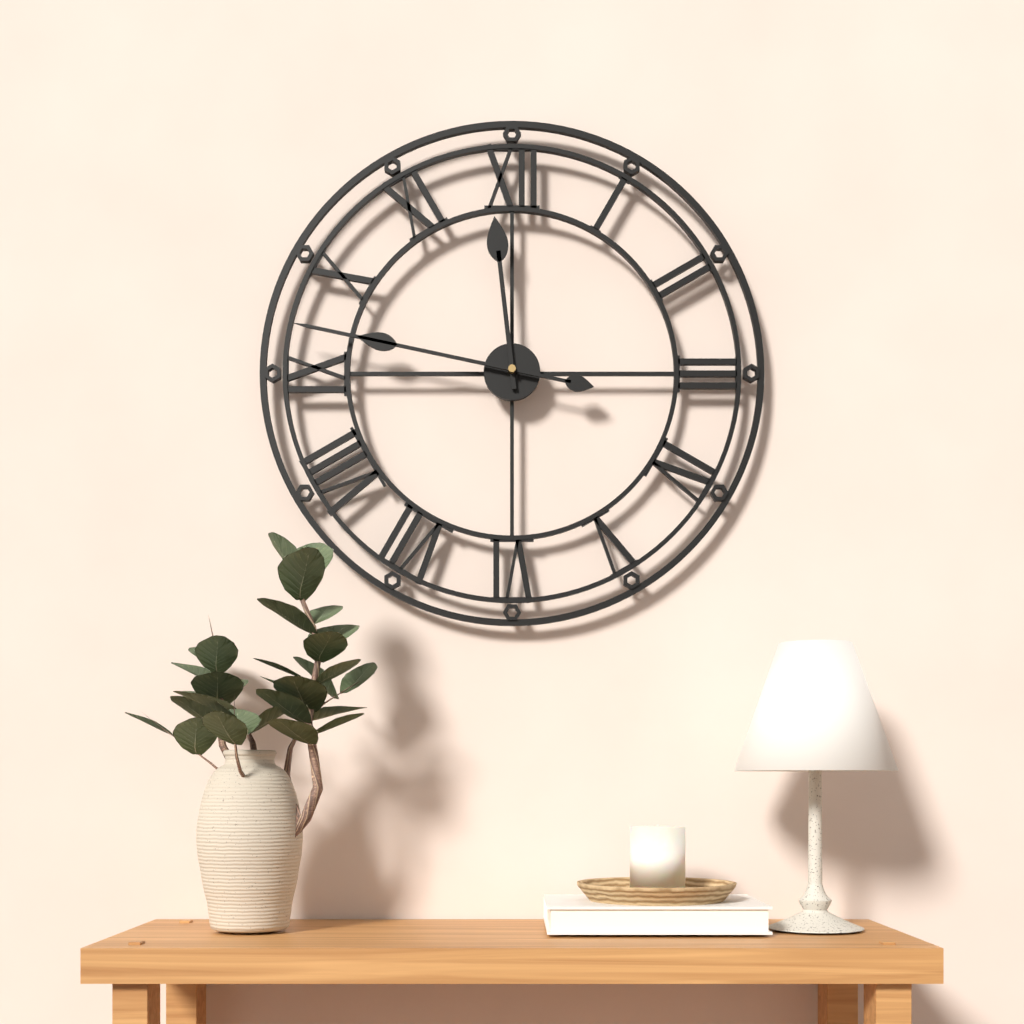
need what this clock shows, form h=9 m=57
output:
h=11 m=47
